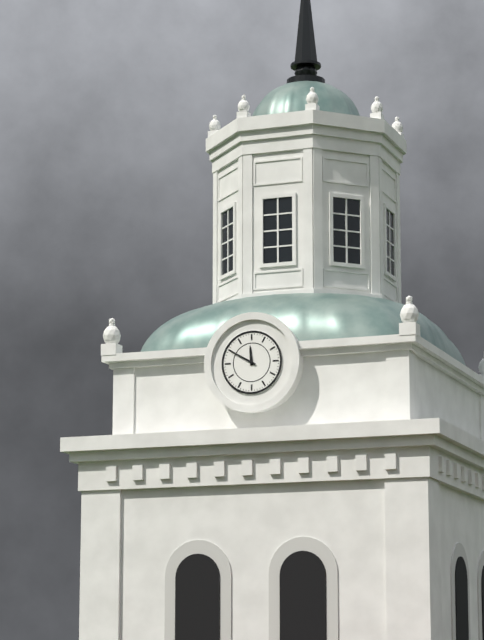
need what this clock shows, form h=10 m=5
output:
h=11 m=50
